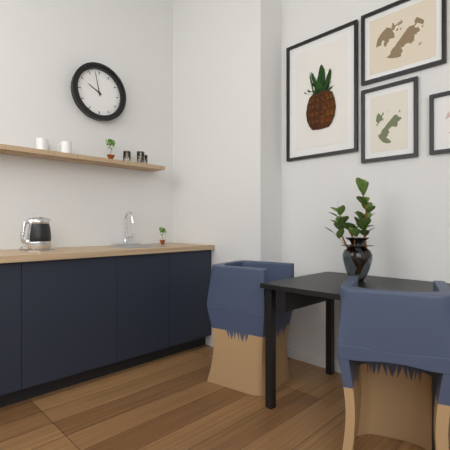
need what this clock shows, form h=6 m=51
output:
h=9 m=58
